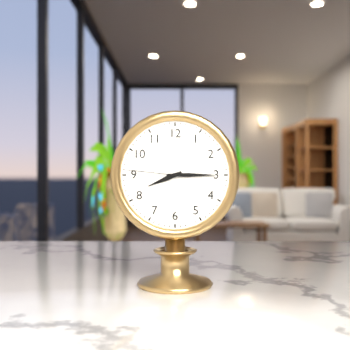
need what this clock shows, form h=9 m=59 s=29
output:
h=8 m=15 s=46
